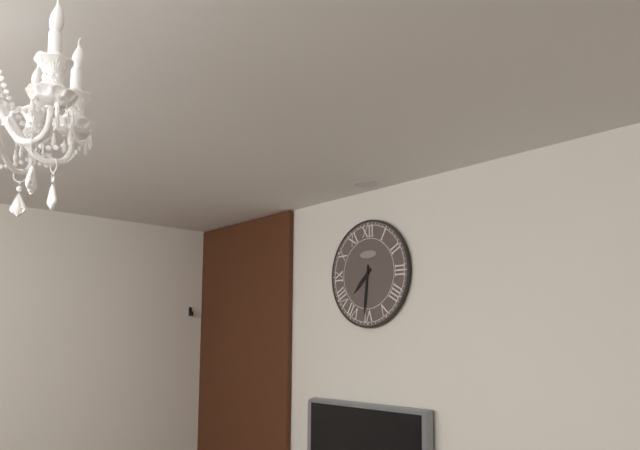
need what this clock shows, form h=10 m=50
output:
h=7 m=31
